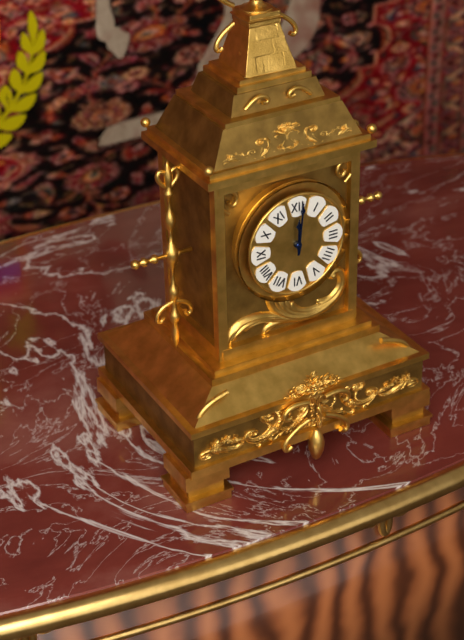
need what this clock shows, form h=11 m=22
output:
h=12 m=1
